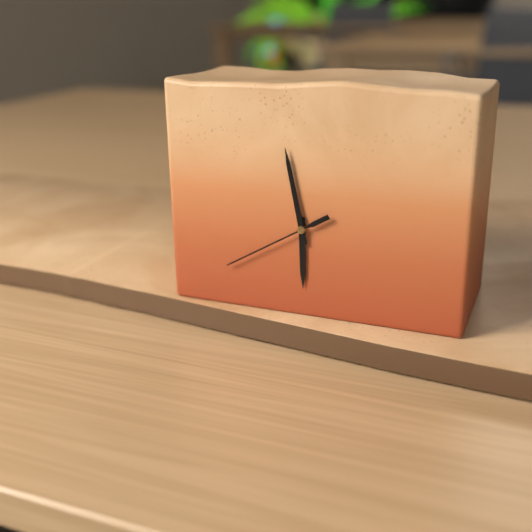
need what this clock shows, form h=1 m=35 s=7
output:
h=5 m=58 s=40
